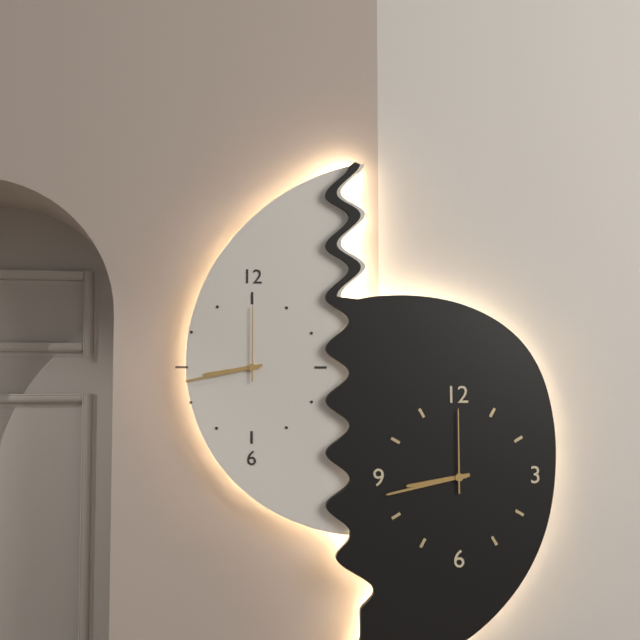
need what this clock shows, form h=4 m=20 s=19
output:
h=8 m=43 s=0
